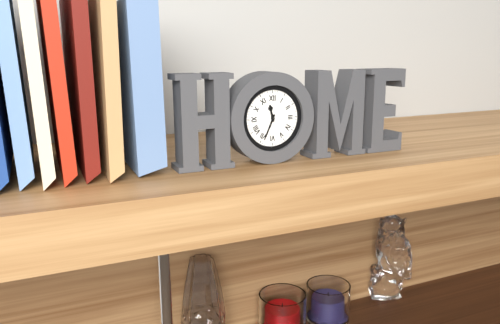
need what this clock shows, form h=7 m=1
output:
h=11 m=34
